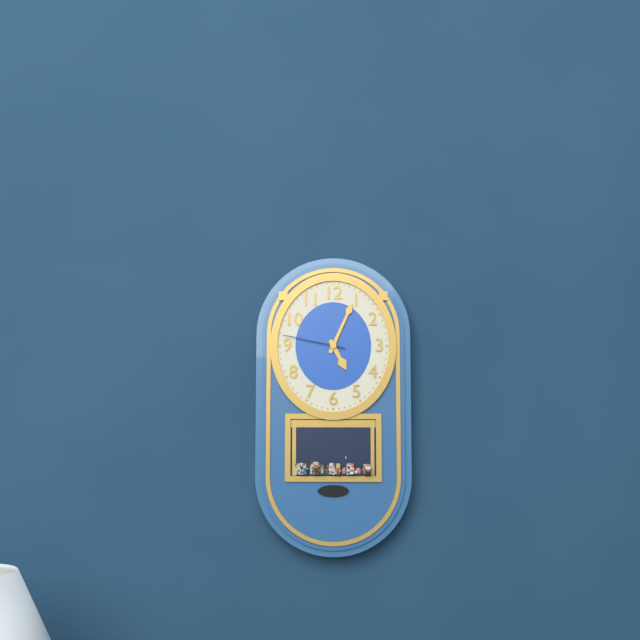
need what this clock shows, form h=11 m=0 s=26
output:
h=5 m=4 s=47
